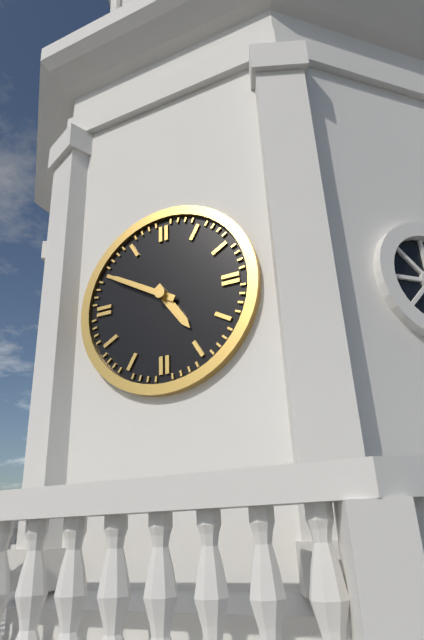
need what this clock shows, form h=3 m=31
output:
h=4 m=50
